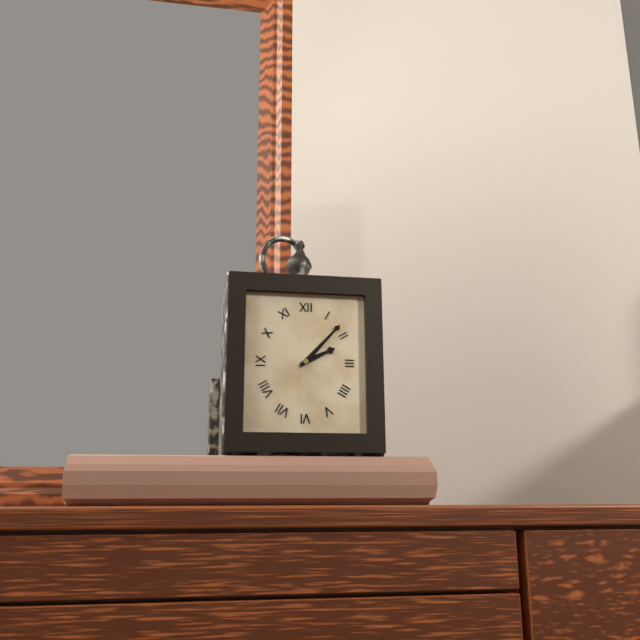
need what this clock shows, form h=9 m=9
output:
h=2 m=7
